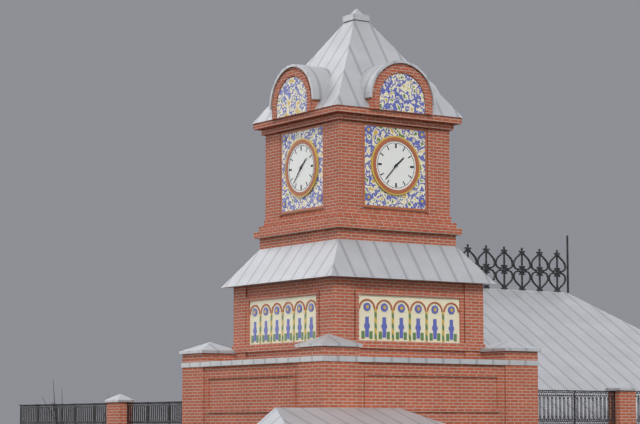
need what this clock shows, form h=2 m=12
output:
h=1 m=37
